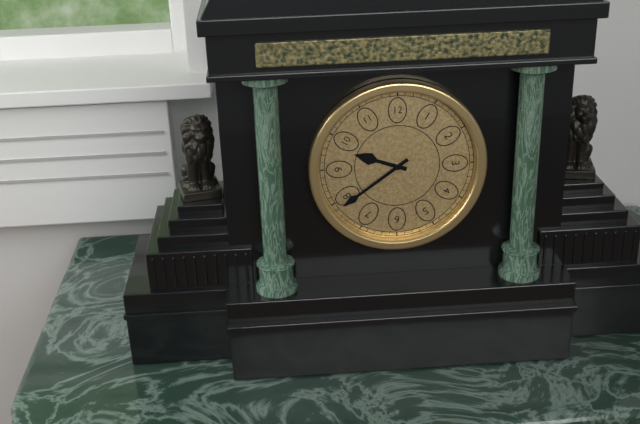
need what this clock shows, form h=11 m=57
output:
h=9 m=39
